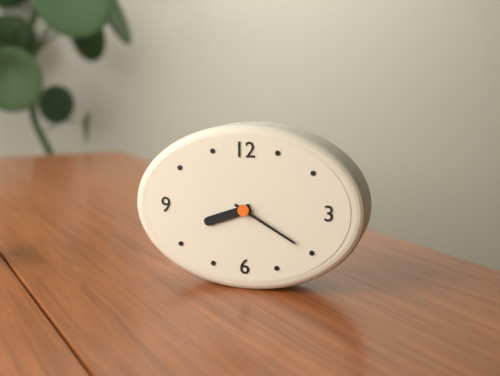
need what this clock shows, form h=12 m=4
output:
h=8 m=20
